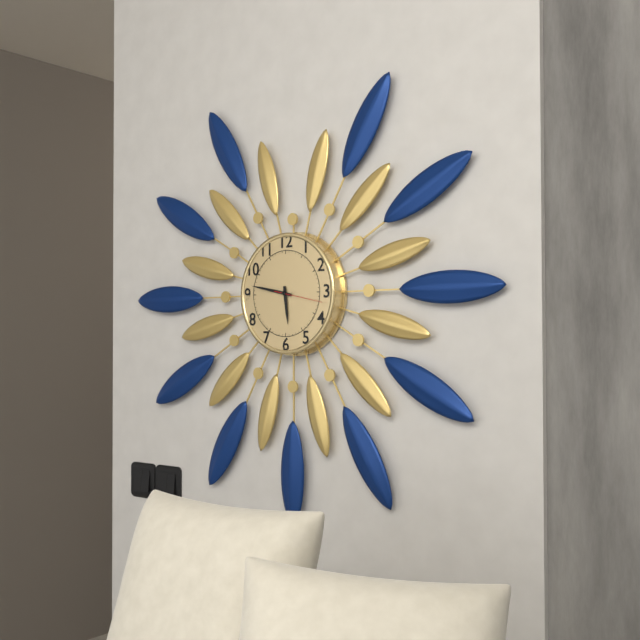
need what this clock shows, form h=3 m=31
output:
h=5 m=47
